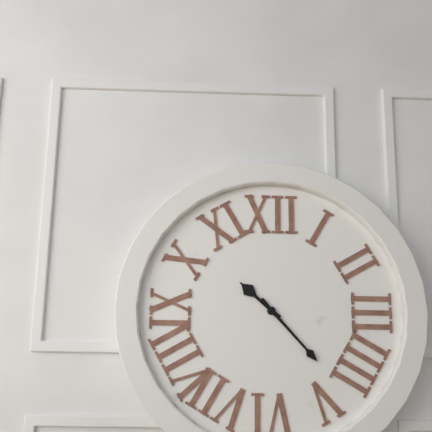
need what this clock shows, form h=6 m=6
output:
h=10 m=23
